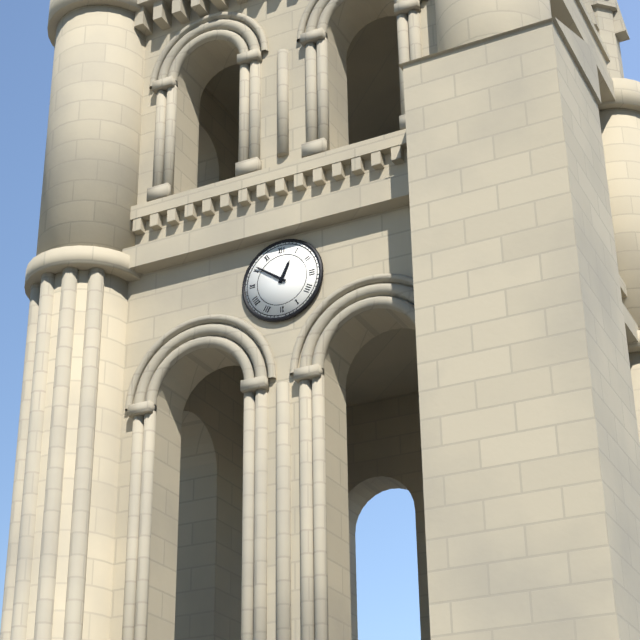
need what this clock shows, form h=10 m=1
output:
h=12 m=51
